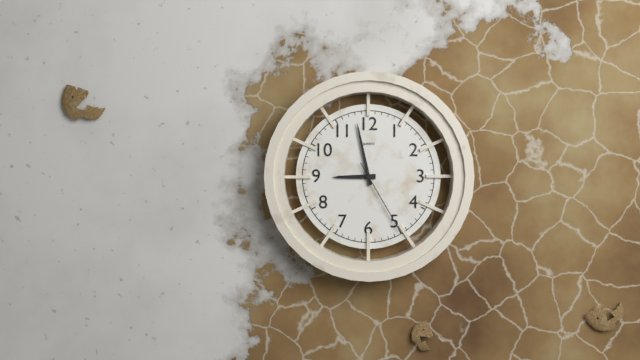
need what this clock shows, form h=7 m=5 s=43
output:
h=8 m=58 s=25
